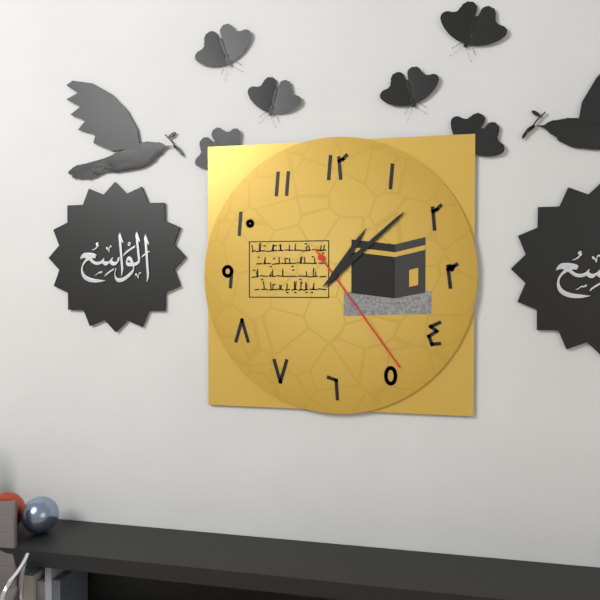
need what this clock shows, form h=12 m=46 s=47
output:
h=1 m=8 s=24
